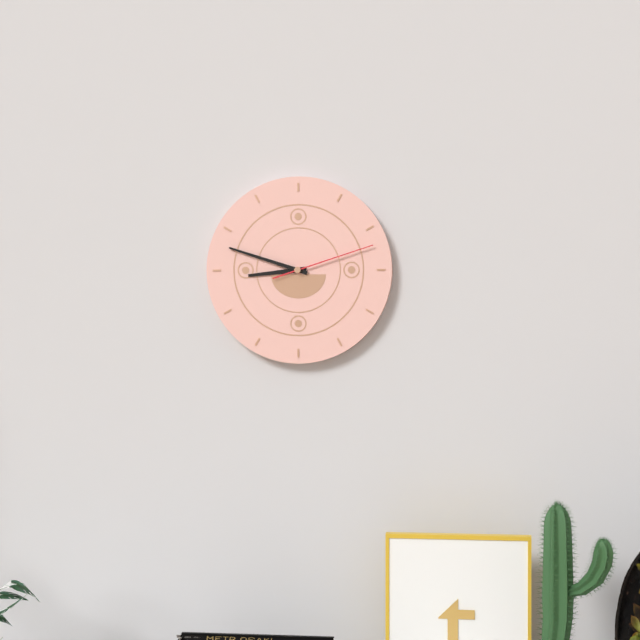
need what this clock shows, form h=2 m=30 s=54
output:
h=8 m=48 s=12
